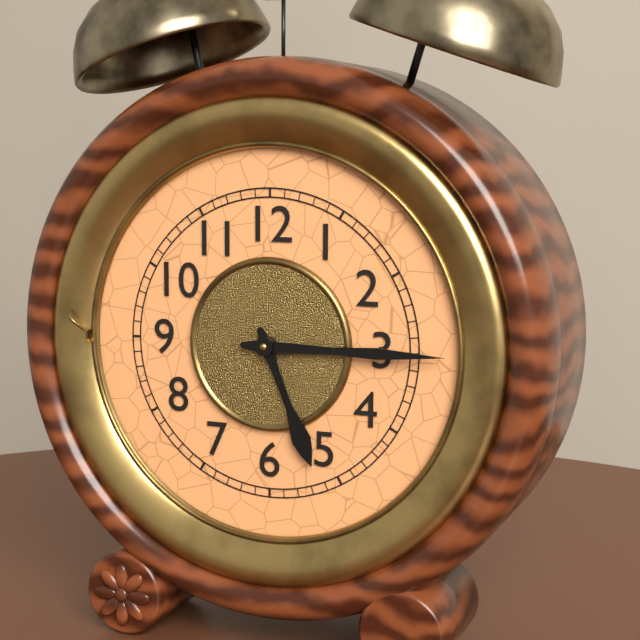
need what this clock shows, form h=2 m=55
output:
h=5 m=15
